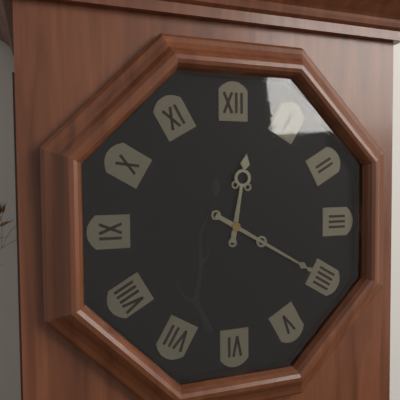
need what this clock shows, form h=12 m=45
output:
h=12 m=20
